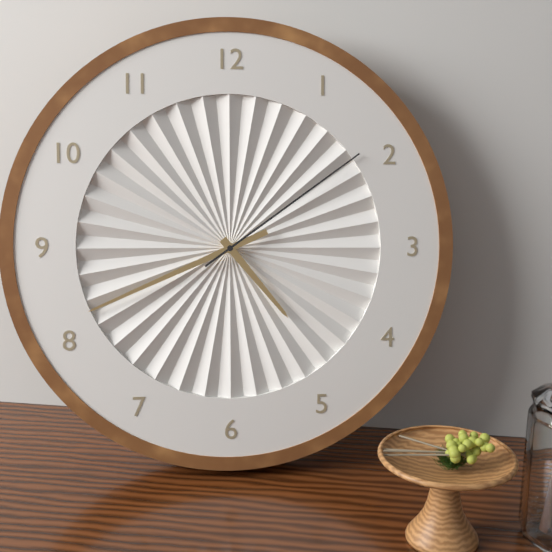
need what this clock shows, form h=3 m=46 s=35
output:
h=4 m=41 s=9
